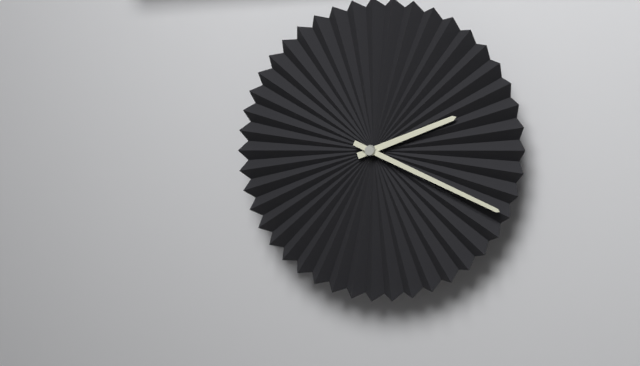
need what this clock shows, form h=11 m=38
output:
h=2 m=19
